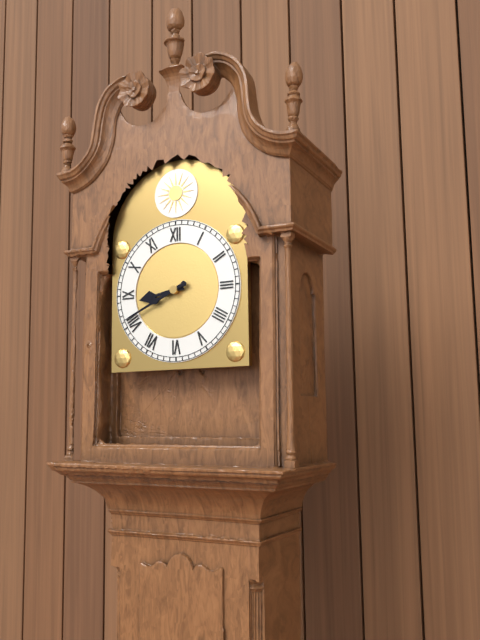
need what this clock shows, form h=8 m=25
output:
h=8 m=41
